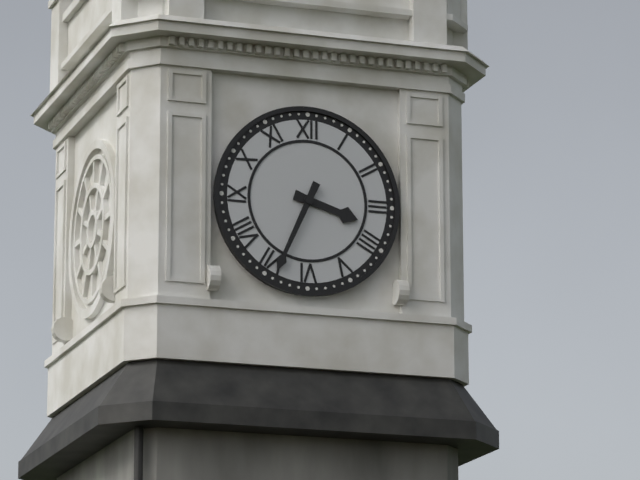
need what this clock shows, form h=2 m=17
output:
h=3 m=34
